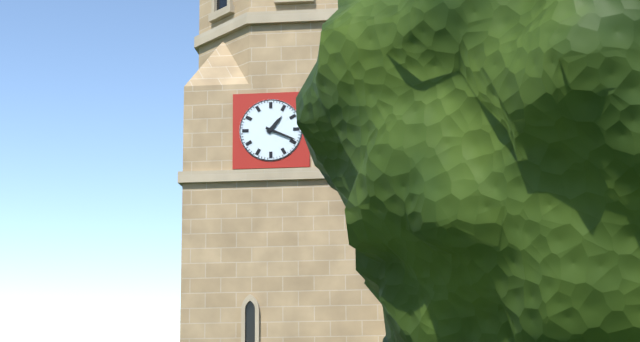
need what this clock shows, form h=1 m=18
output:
h=1 m=19
